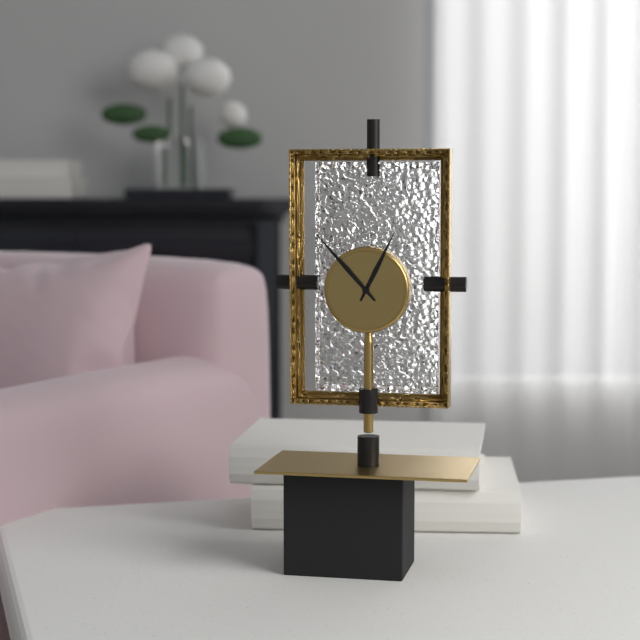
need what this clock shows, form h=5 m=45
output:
h=12 m=53
